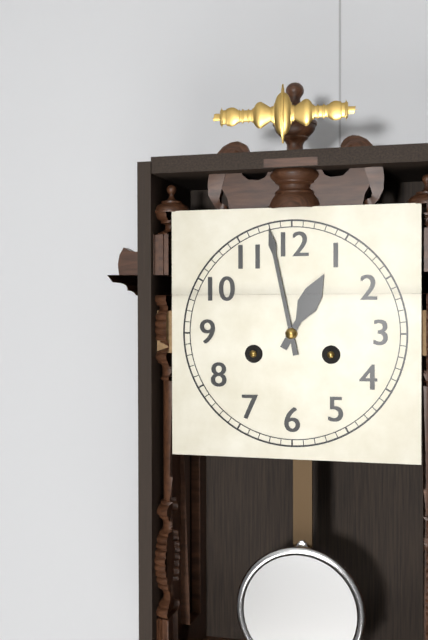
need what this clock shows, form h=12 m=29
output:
h=12 m=58
